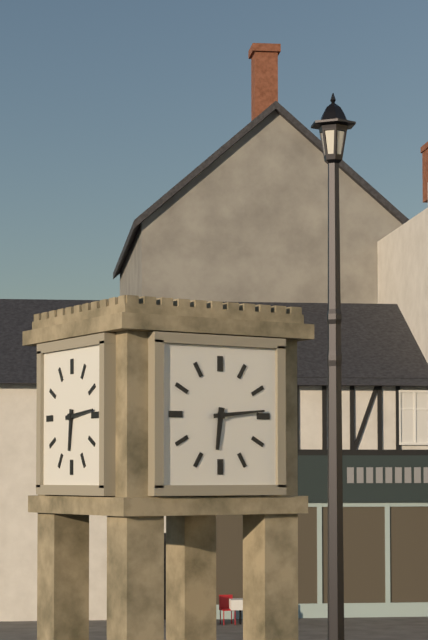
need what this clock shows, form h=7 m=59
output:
h=6 m=14
